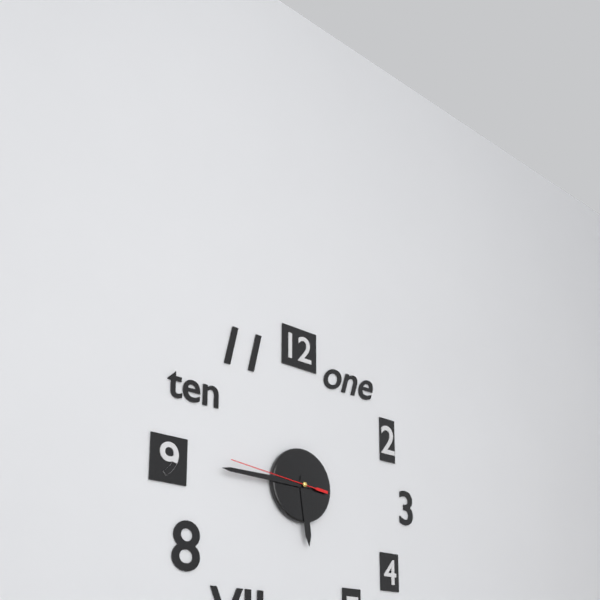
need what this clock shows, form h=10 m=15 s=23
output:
h=5 m=45 s=46
